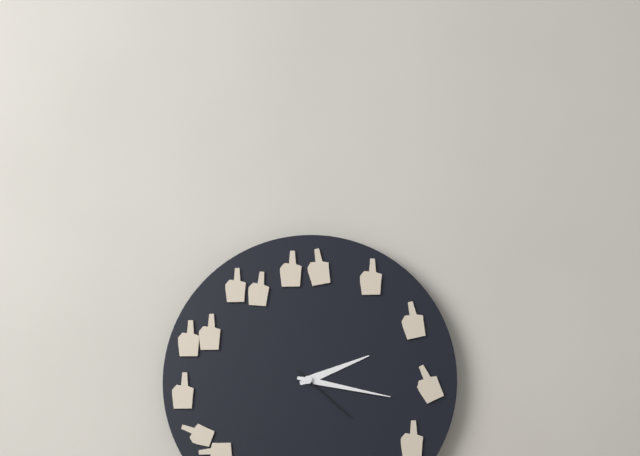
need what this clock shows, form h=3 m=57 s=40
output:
h=2 m=17 s=22
